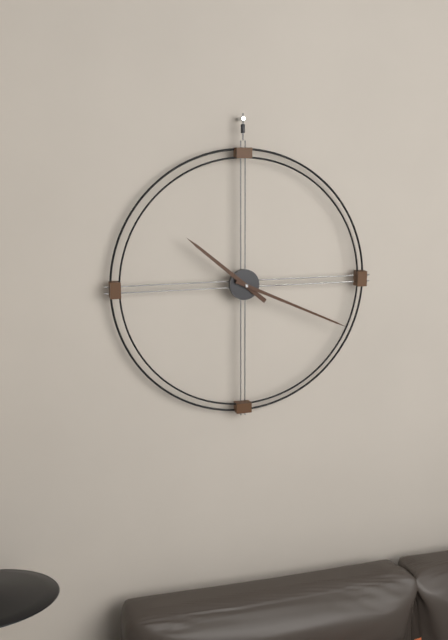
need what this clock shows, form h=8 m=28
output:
h=10 m=19
